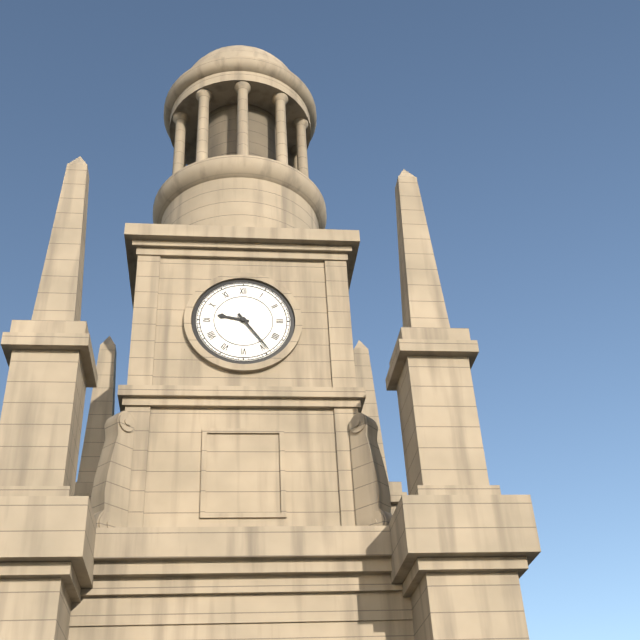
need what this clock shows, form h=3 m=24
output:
h=9 m=24
